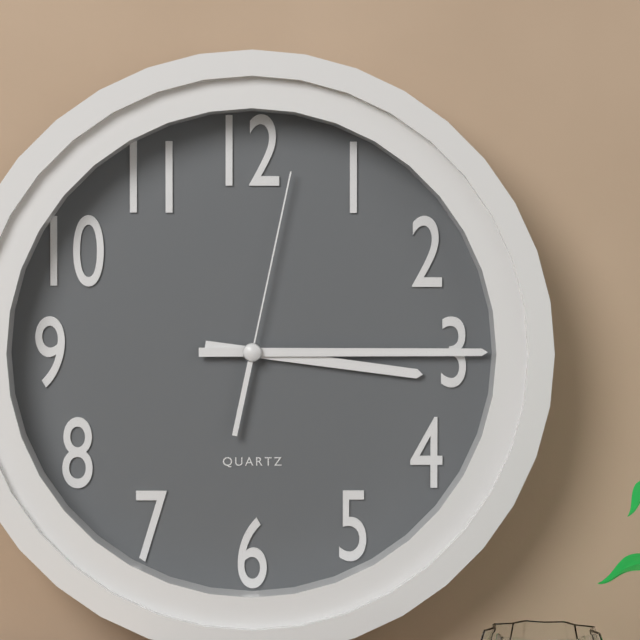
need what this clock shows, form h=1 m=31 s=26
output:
h=3 m=15 s=2
